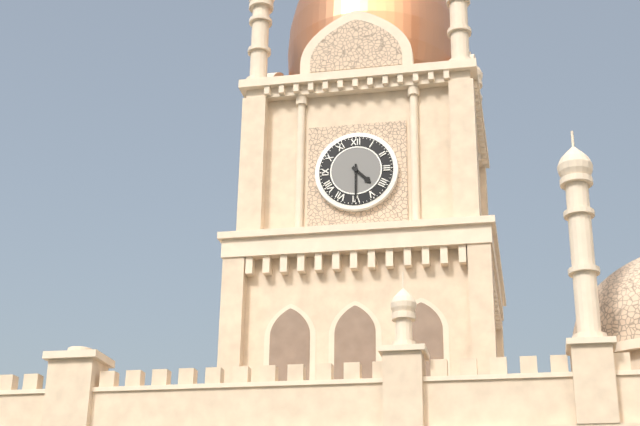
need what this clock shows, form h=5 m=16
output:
h=4 m=30
